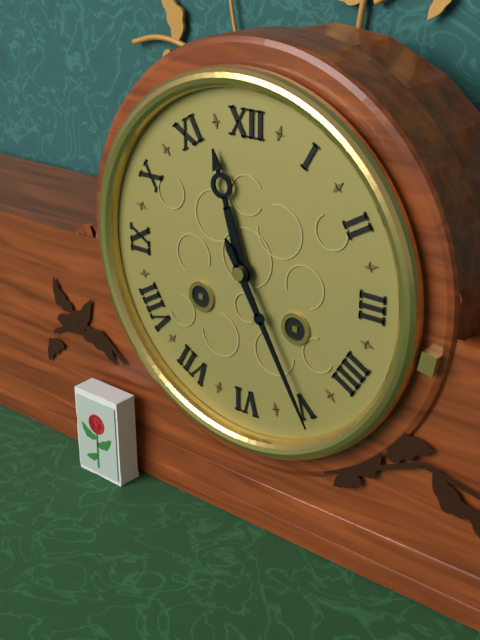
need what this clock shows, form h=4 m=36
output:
h=11 m=25
